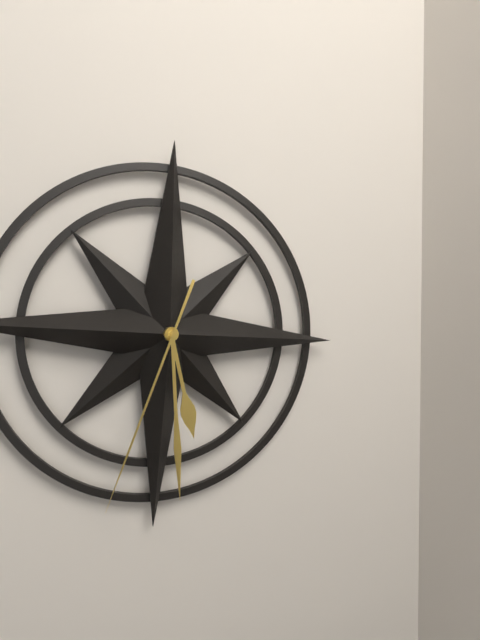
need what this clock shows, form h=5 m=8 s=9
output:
h=5 m=29 s=33
